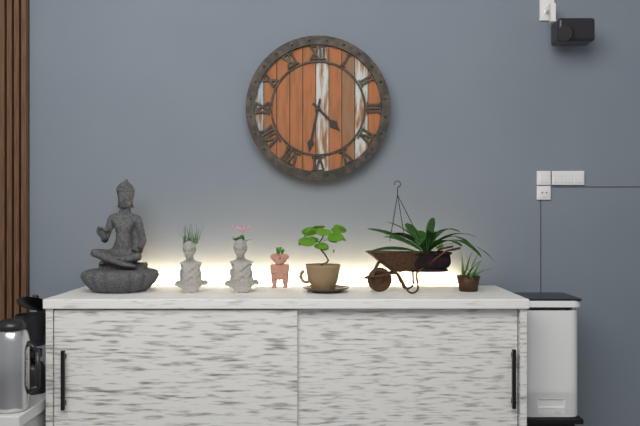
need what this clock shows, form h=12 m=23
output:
h=4 m=32
